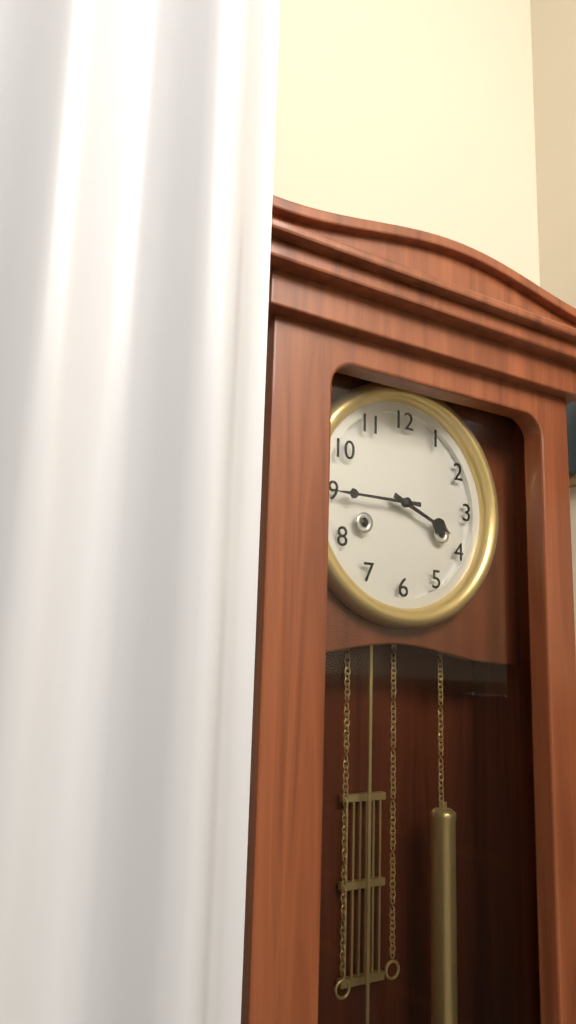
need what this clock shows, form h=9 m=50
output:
h=3 m=45
